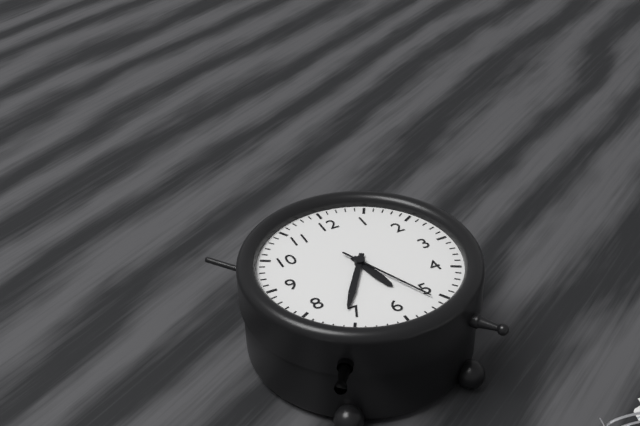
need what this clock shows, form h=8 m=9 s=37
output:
h=5 m=36 s=26
